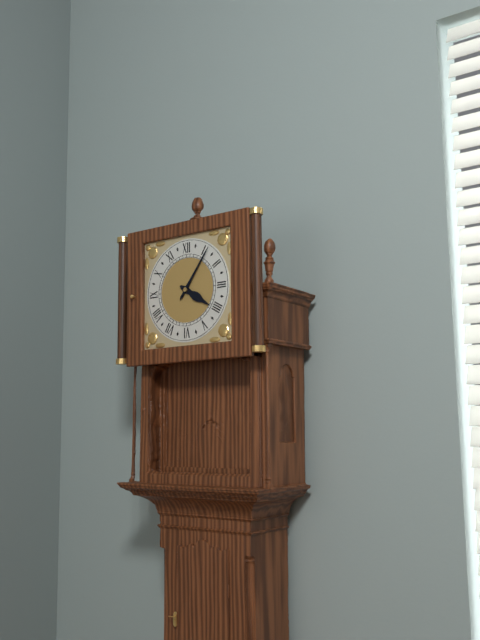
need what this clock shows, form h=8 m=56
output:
h=4 m=6
